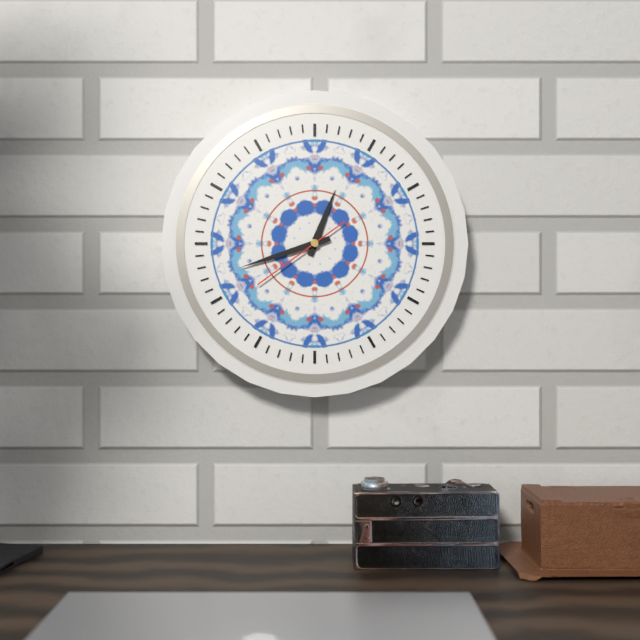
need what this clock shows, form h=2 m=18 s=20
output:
h=12 m=42 s=39
